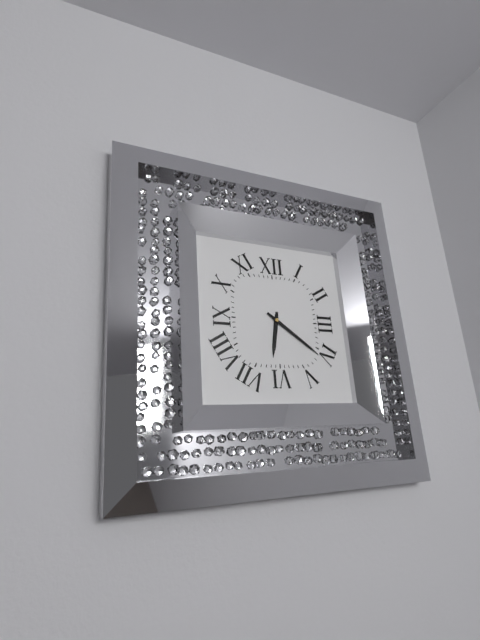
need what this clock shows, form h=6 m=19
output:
h=6 m=21
